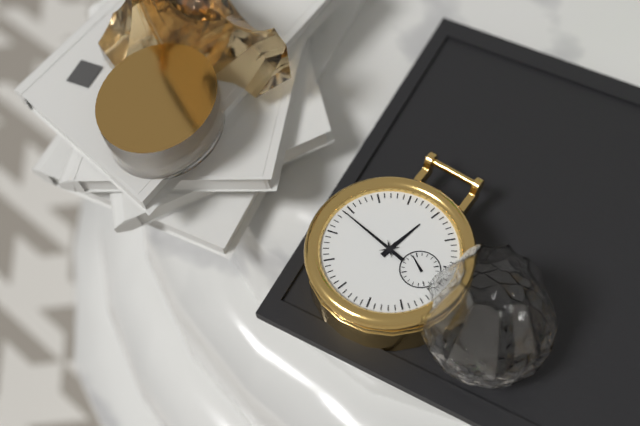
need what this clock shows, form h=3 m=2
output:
h=1 m=54
